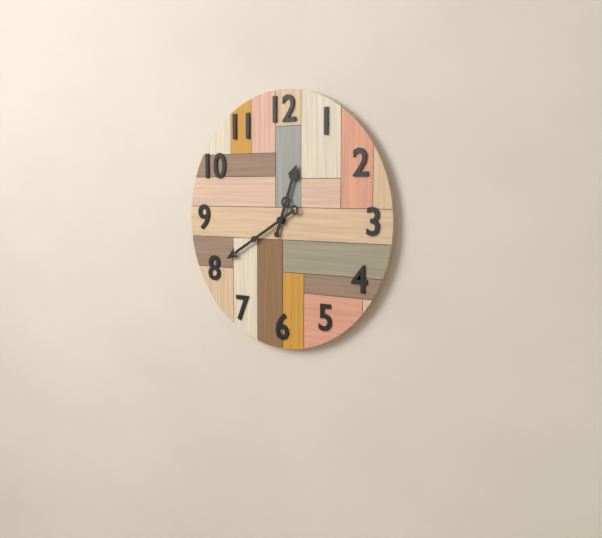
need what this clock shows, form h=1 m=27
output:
h=12 m=40
